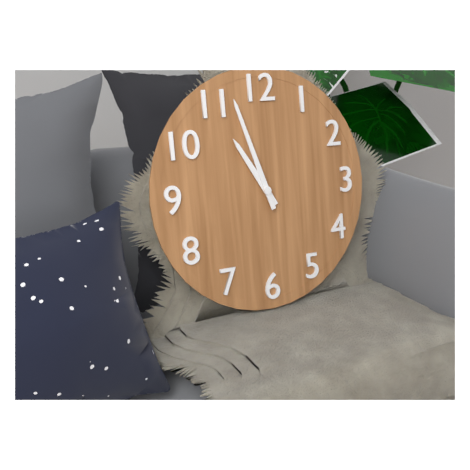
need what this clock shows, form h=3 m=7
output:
h=10 m=57
